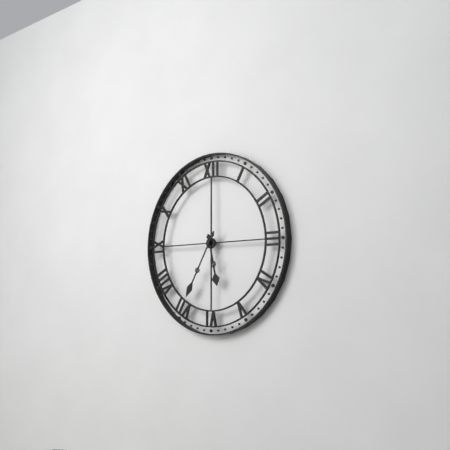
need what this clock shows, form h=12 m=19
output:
h=5 m=35
